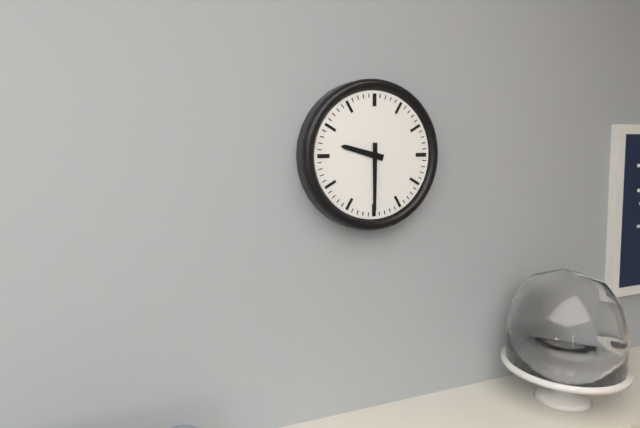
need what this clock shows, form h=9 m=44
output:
h=9 m=30
